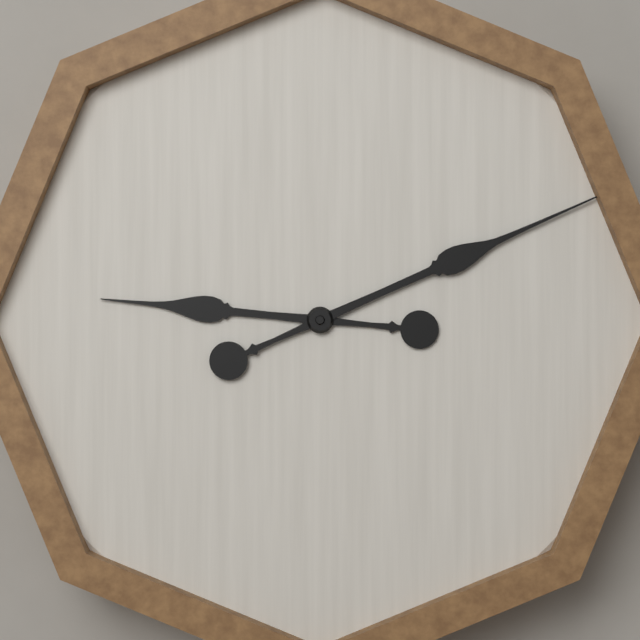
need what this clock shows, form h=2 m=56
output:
h=9 m=11
